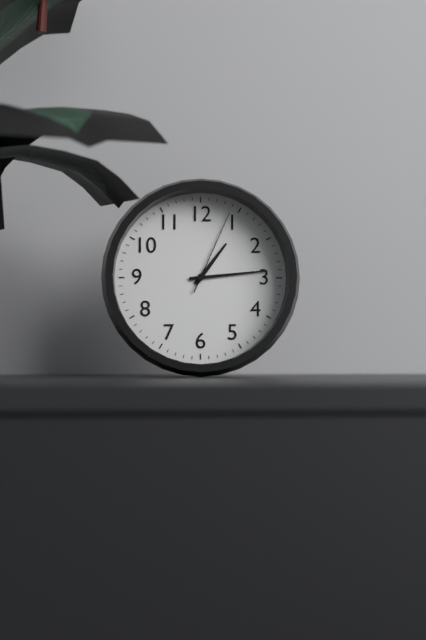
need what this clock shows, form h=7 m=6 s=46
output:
h=1 m=14 s=4
